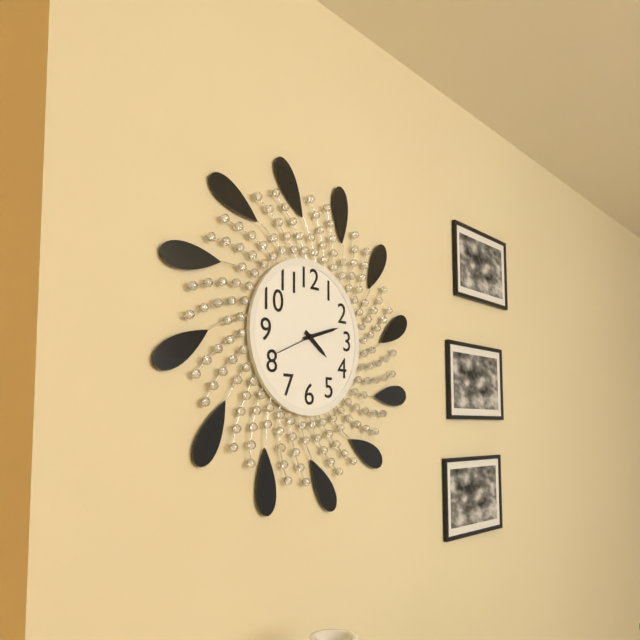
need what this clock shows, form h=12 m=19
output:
h=4 m=12
